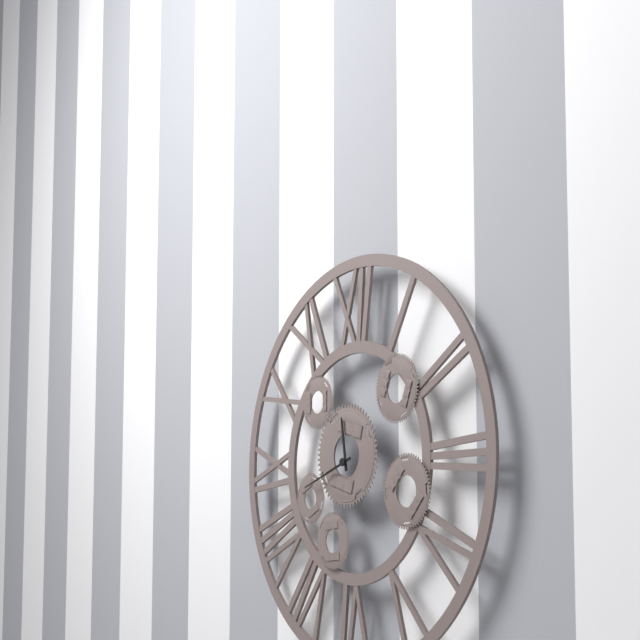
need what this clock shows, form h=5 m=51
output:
h=11 m=42
